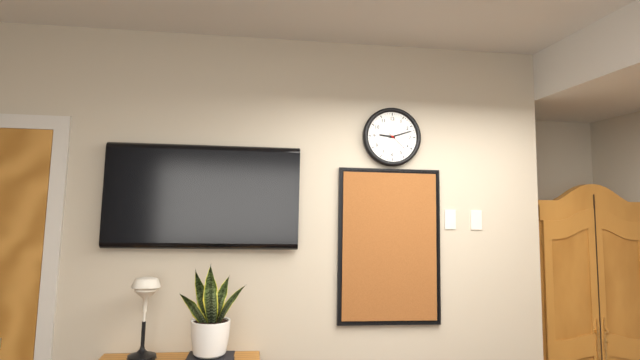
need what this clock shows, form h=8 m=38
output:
h=9 m=12
